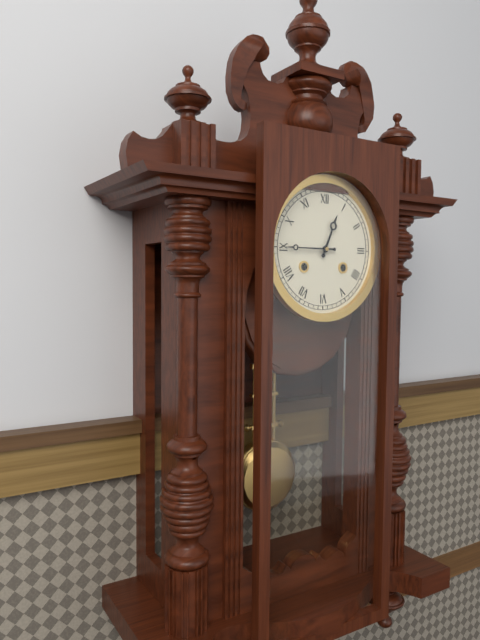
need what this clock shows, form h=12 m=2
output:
h=12 m=45
